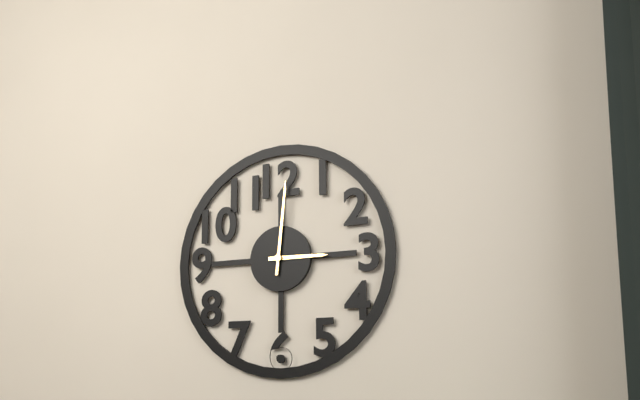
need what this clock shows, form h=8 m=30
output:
h=3 m=1
